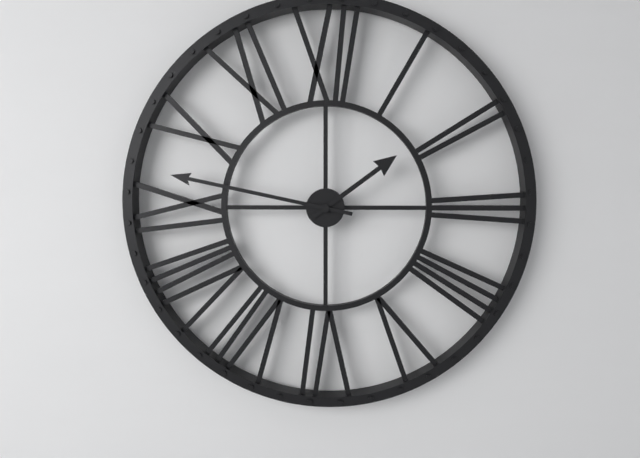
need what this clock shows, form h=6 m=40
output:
h=1 m=47
